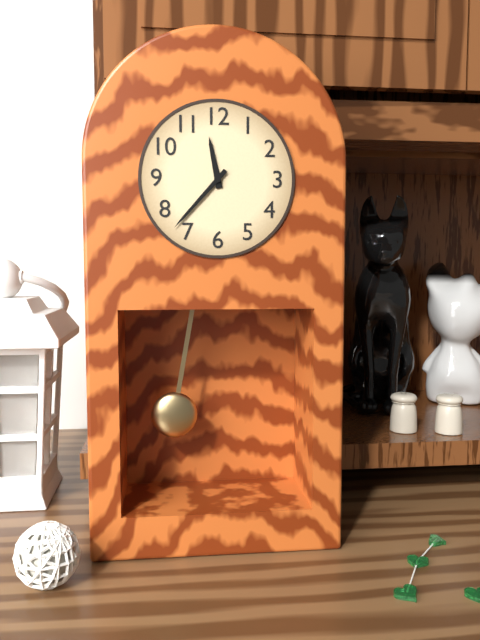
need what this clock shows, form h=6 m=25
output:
h=11 m=37
